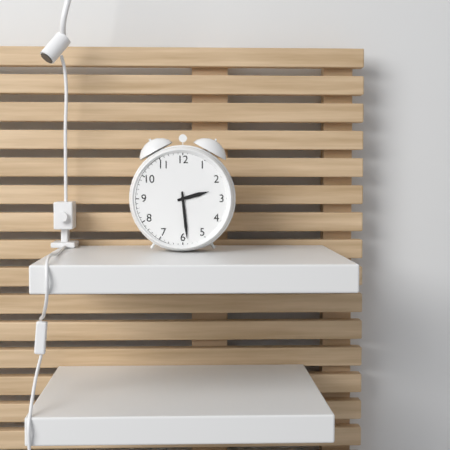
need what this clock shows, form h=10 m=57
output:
h=2 m=29
